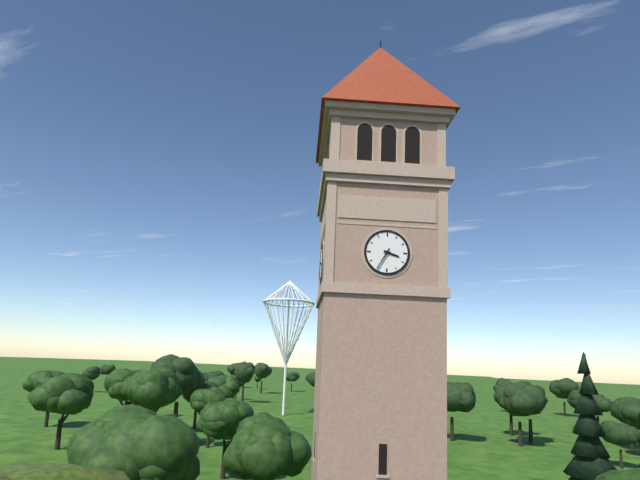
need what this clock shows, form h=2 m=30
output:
h=3 m=35
